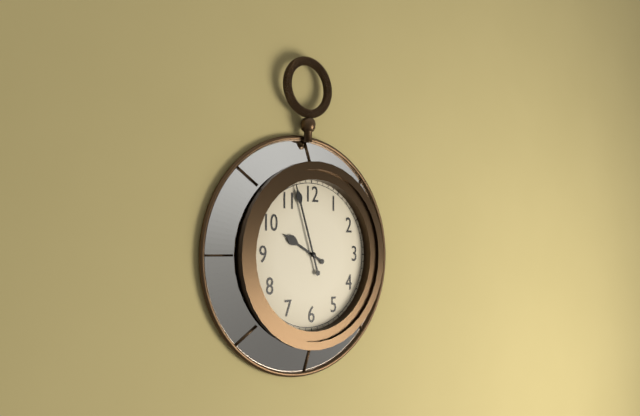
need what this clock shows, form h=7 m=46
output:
h=9 m=57
